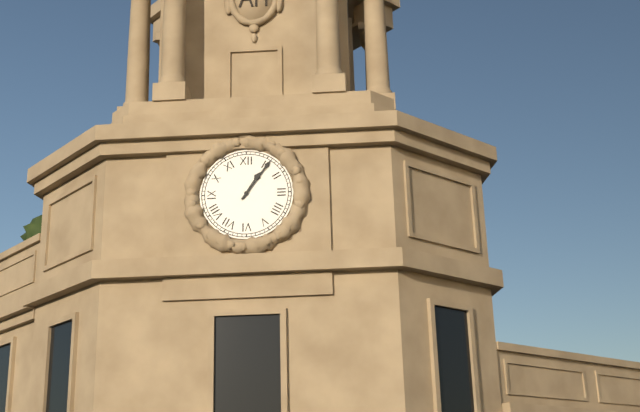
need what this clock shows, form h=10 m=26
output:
h=1 m=6
